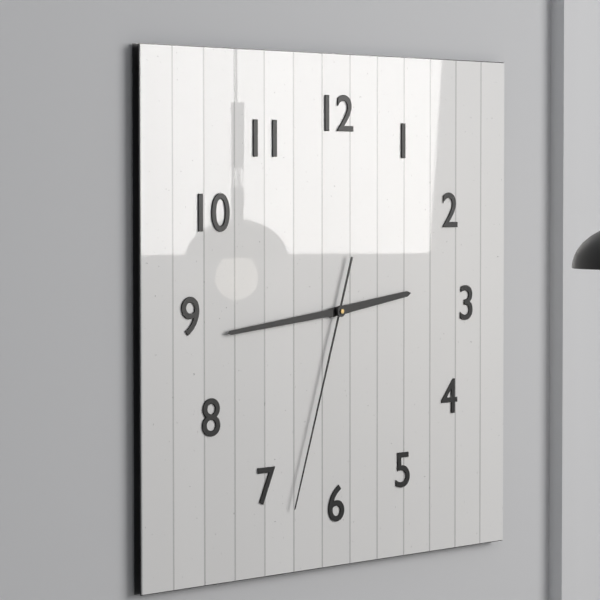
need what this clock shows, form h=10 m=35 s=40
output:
h=2 m=44 s=33
